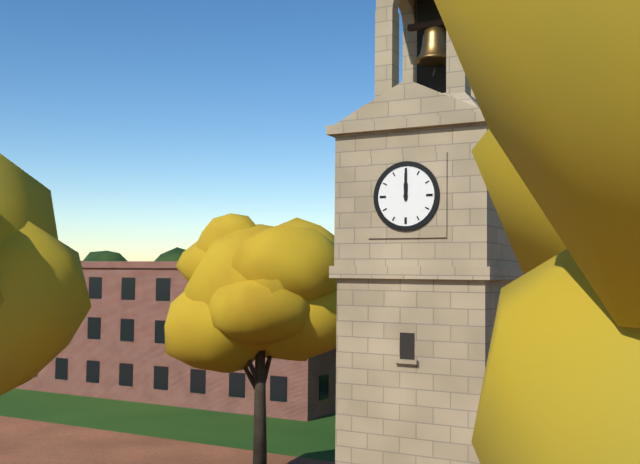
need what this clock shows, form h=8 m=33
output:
h=12 m=0
